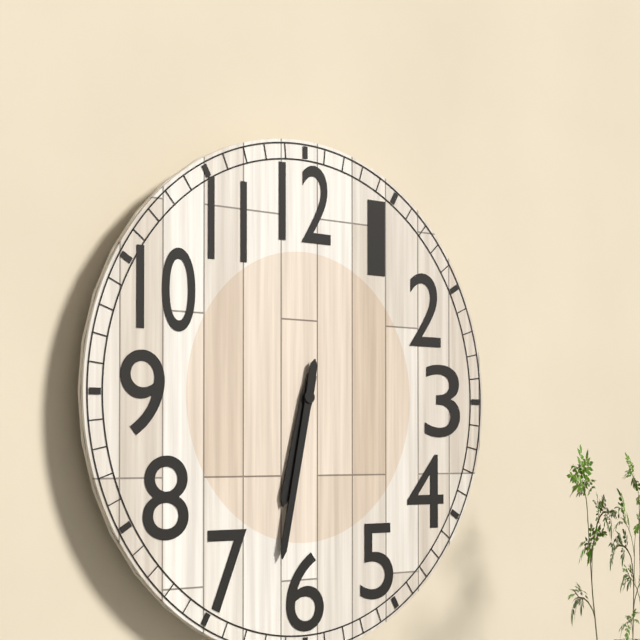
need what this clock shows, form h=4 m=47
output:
h=6 m=32
